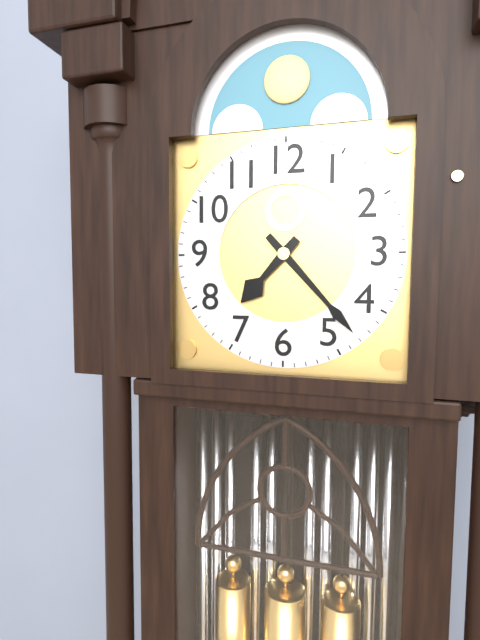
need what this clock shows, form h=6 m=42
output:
h=7 m=23
